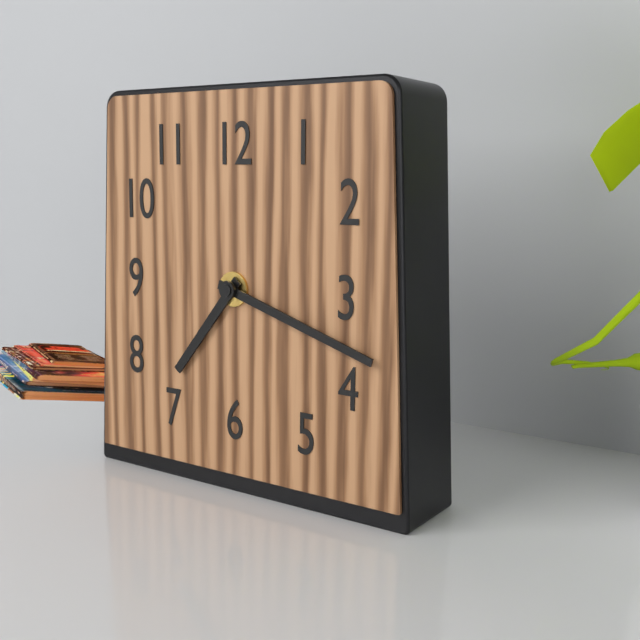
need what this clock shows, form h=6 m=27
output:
h=7 m=18
